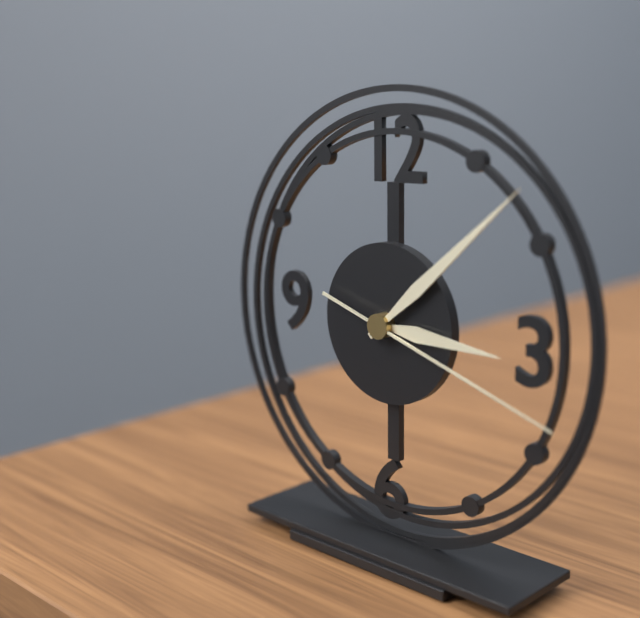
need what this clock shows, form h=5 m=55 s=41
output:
h=3 m=8 s=18
